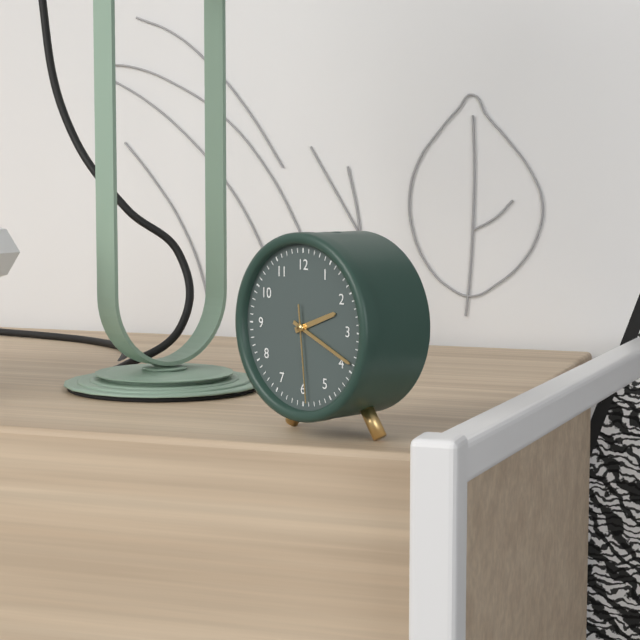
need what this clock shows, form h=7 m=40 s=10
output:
h=2 m=19 s=29
